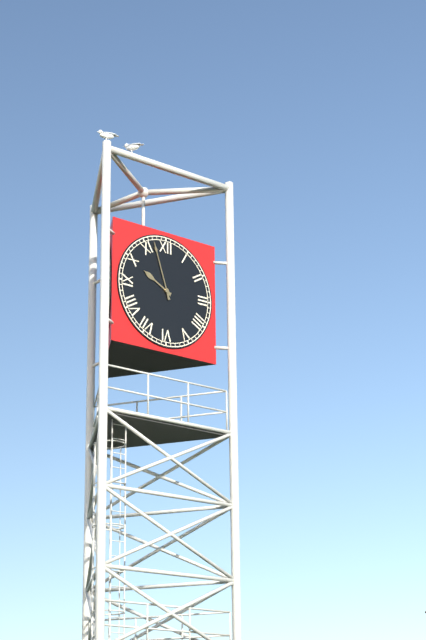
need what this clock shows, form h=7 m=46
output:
h=9 m=57
